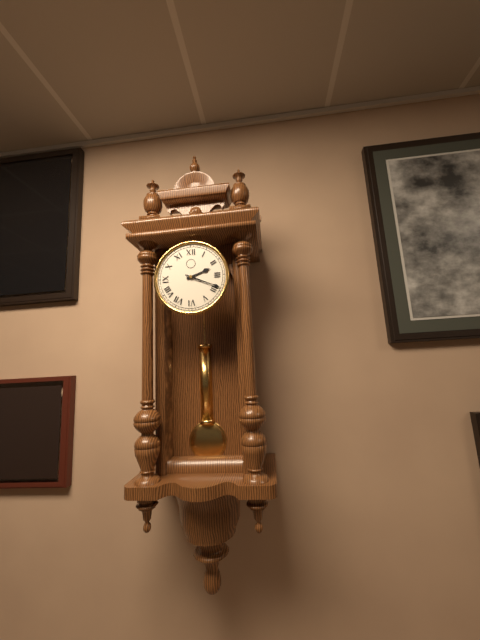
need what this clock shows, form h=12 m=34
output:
h=2 m=19
